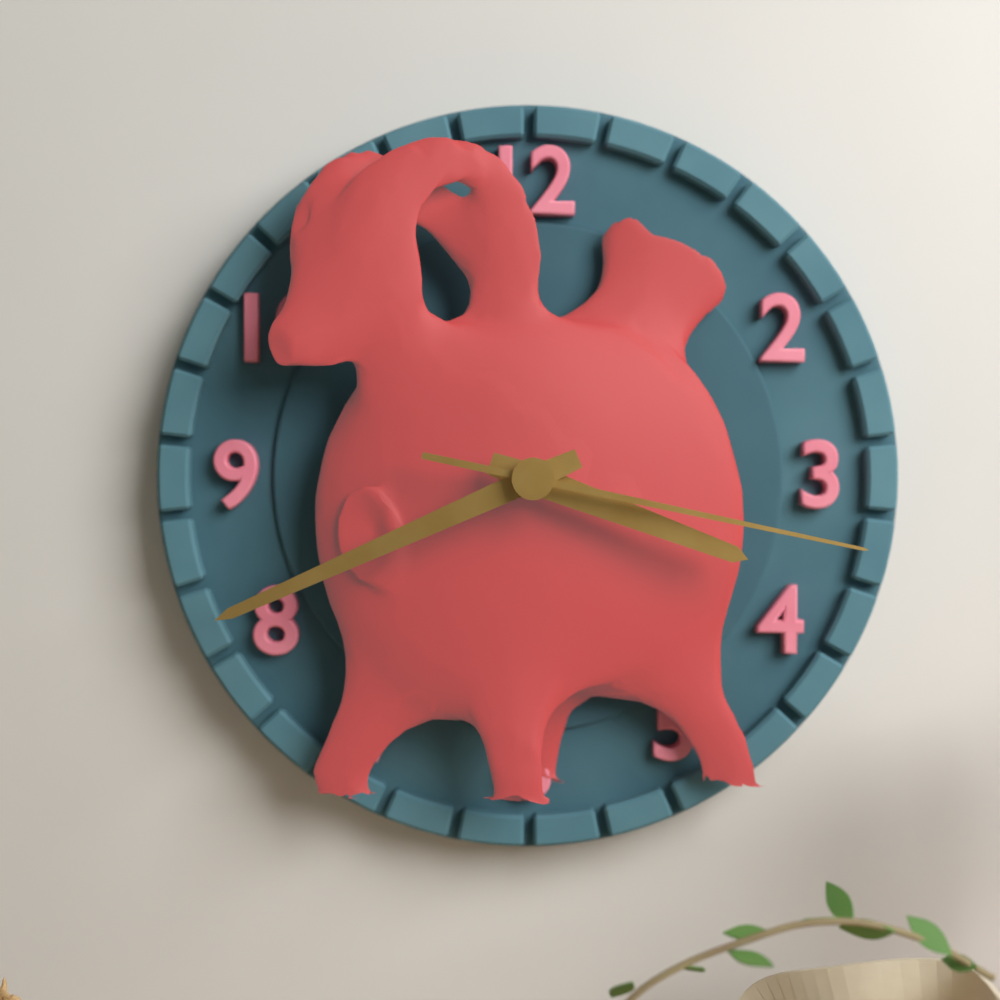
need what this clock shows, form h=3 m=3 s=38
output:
h=3 m=41 s=17
